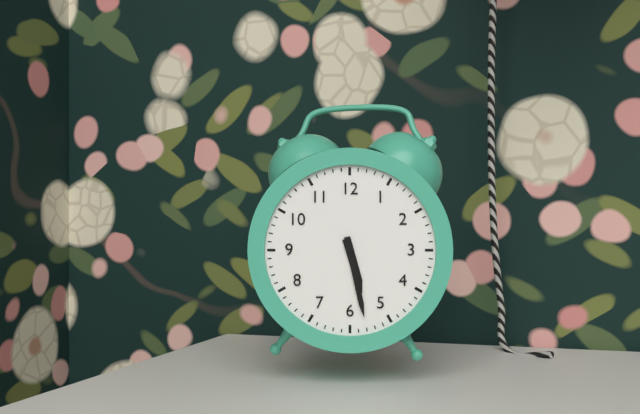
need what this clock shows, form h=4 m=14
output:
h=5 m=28
